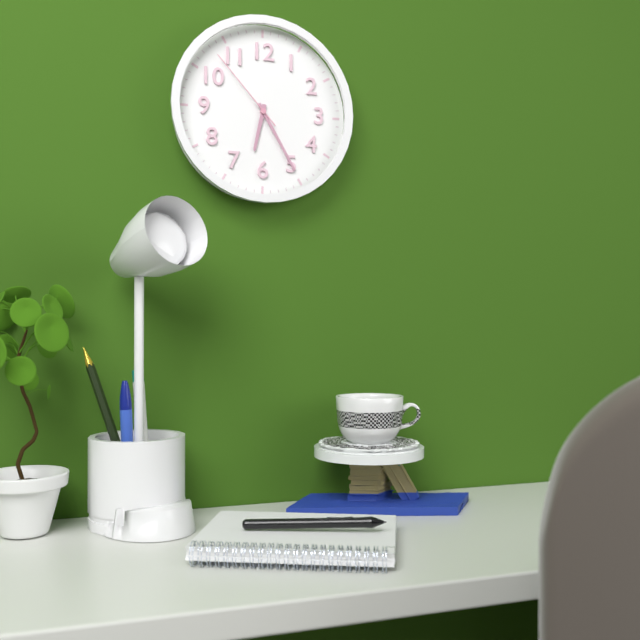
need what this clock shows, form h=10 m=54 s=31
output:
h=6 m=25 s=53
